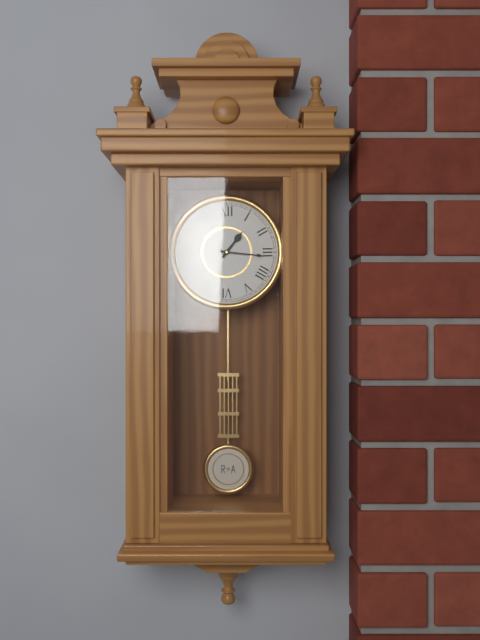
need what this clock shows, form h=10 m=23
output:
h=1 m=16
